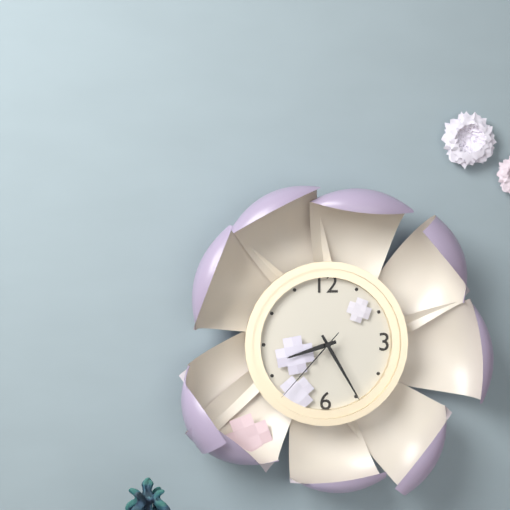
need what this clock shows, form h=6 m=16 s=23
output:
h=8 m=25 s=37
